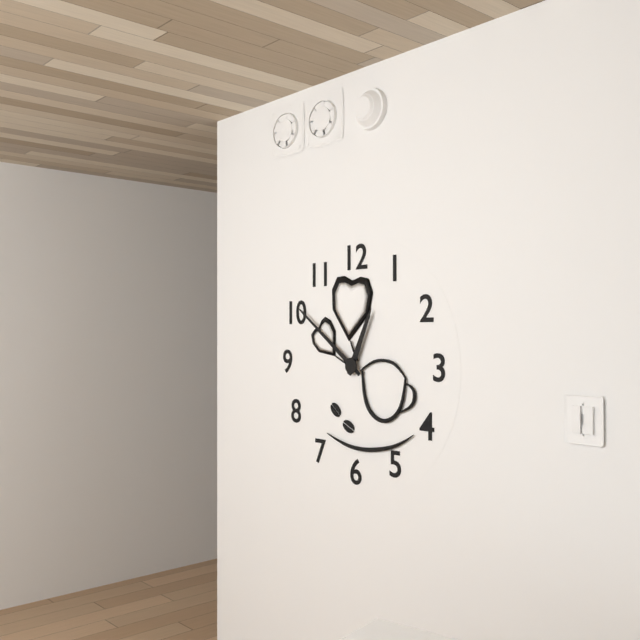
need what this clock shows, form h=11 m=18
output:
h=12 m=51
